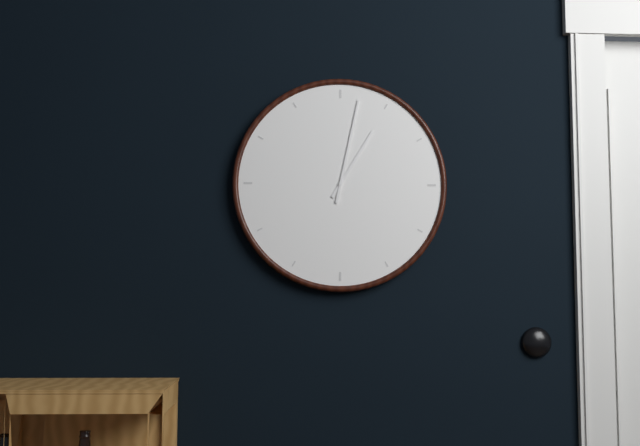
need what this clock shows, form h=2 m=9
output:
h=1 m=2
